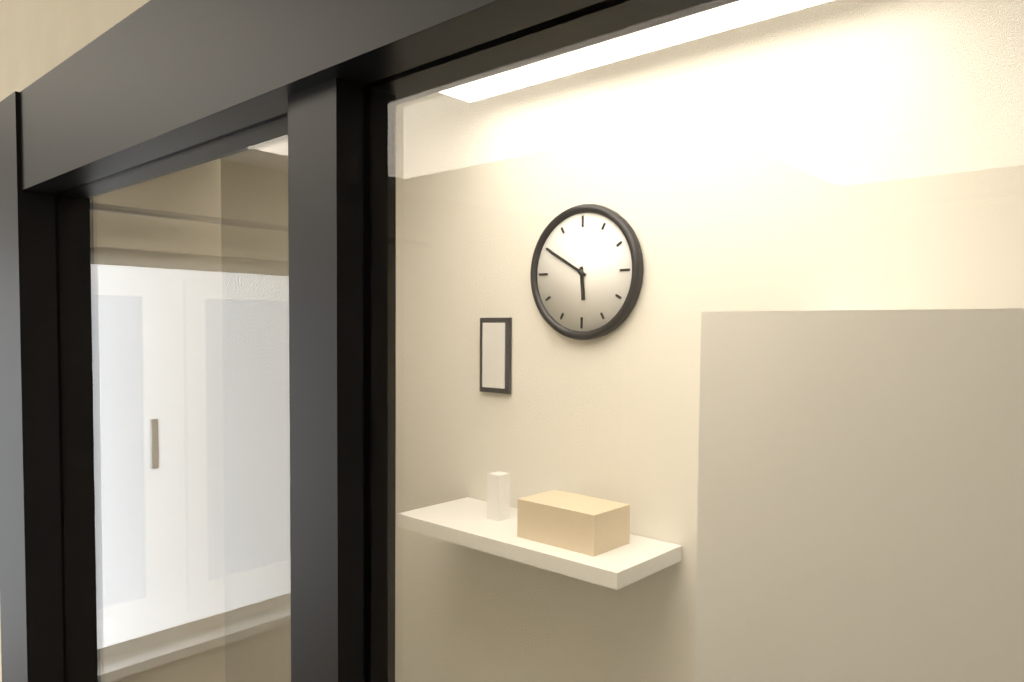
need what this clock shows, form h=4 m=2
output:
h=5 m=50
